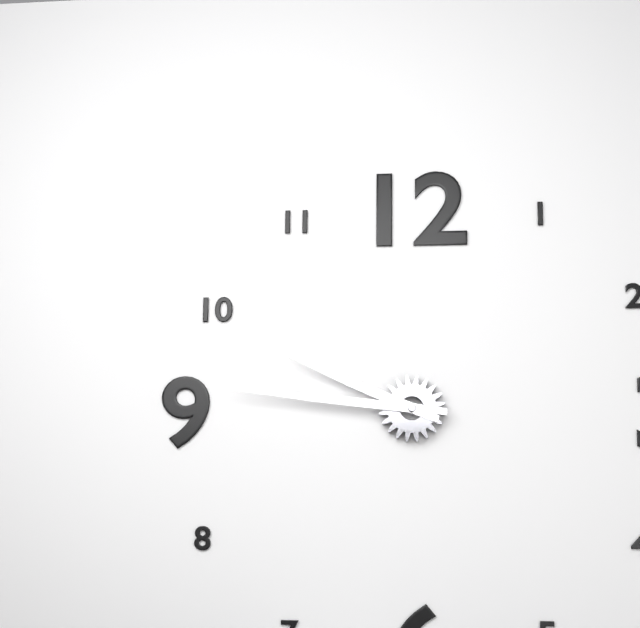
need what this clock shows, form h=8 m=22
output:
h=9 m=46
